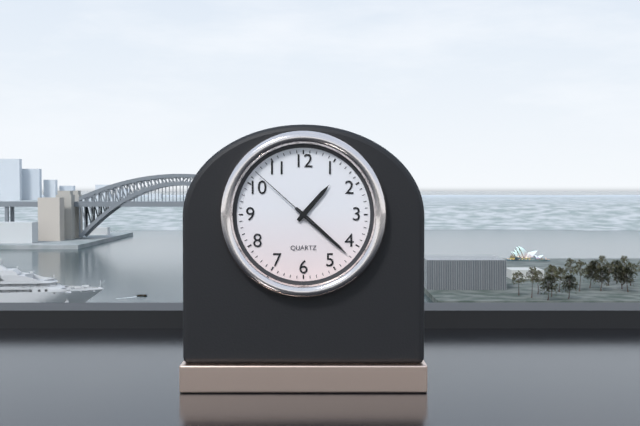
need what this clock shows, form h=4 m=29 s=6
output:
h=1 m=22 s=52
